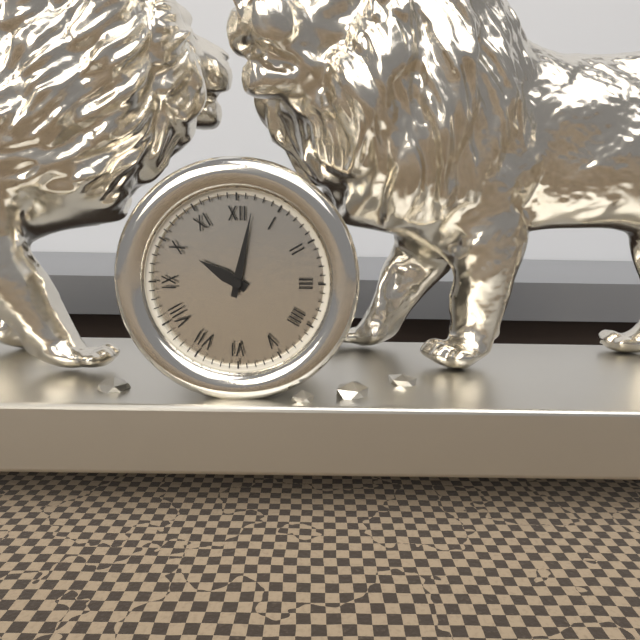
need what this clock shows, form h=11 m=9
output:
h=10 m=2
